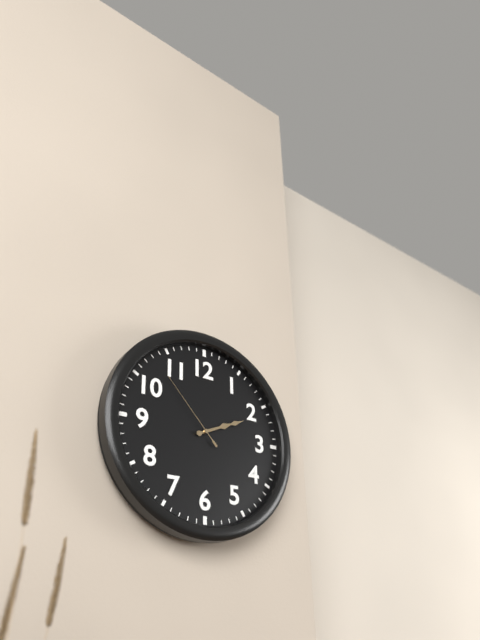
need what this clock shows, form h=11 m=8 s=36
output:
h=2 m=11 s=53
